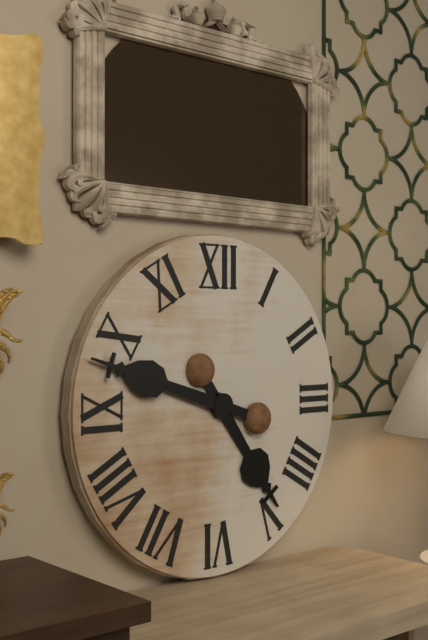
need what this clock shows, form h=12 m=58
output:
h=4 m=48
